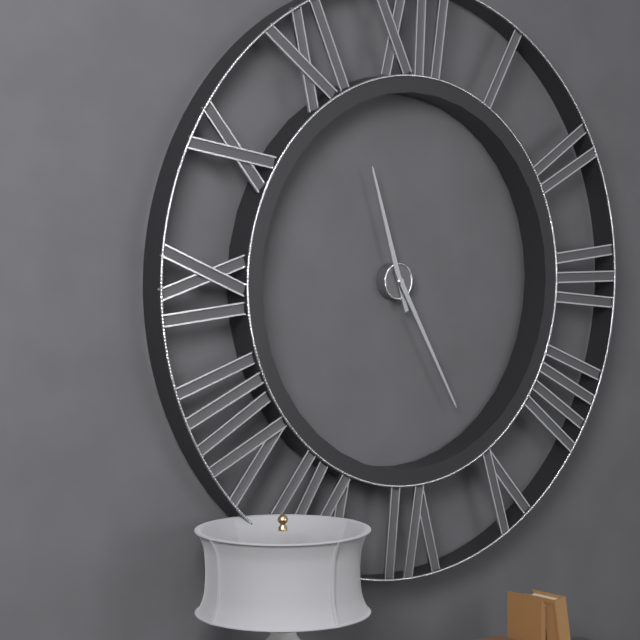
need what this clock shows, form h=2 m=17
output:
h=11 m=25
